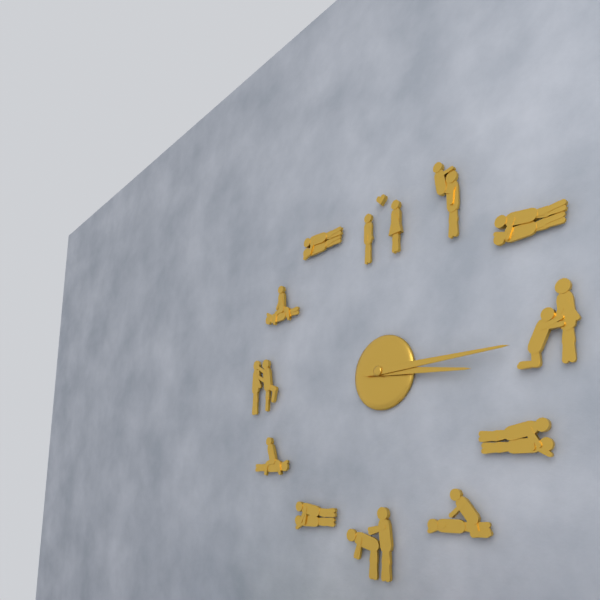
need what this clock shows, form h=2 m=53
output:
h=3 m=15
